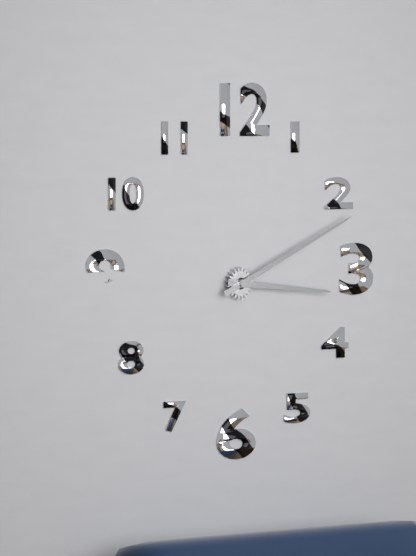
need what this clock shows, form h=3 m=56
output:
h=3 m=11
